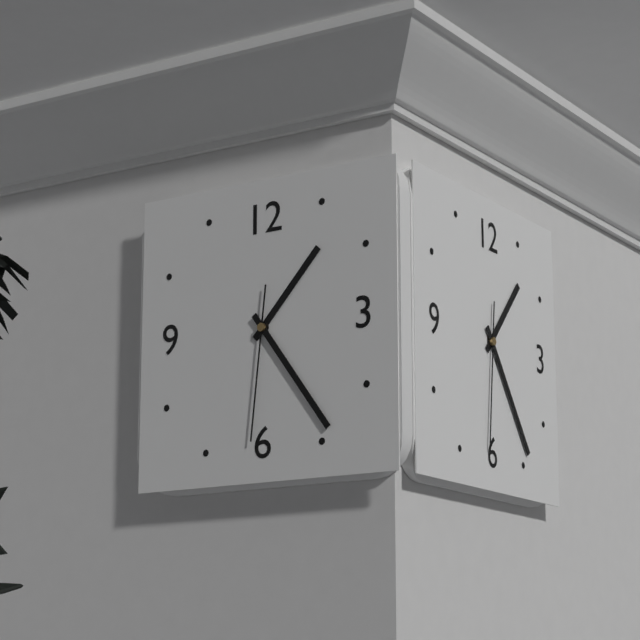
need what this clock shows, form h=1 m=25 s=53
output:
h=1 m=24 s=31
